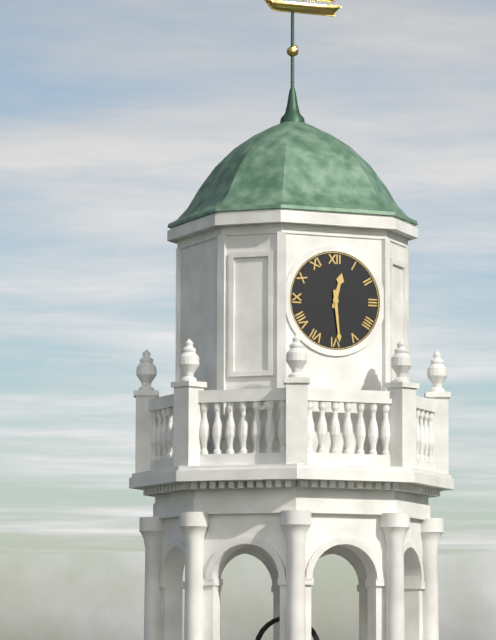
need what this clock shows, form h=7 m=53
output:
h=12 m=29
